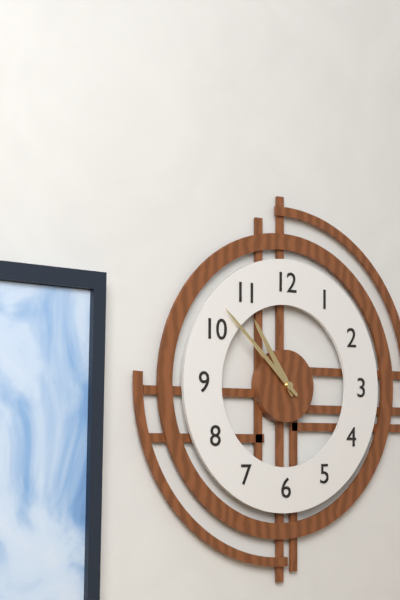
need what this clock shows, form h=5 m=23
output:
h=10 m=52
